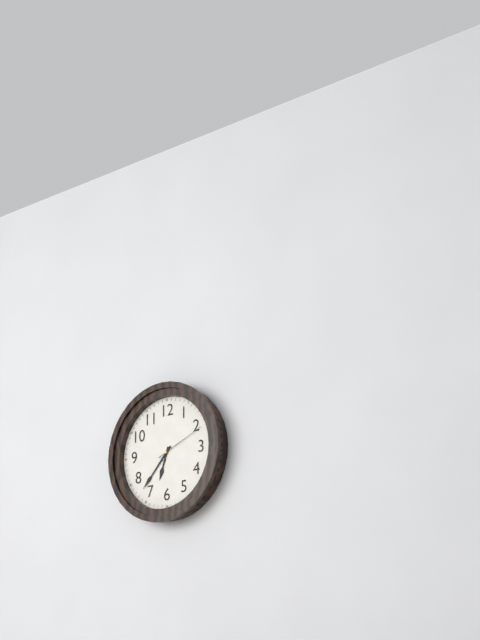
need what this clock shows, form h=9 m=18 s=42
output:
h=6 m=37 s=11
